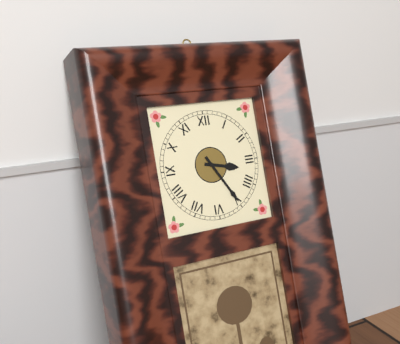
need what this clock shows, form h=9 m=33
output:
h=3 m=25
